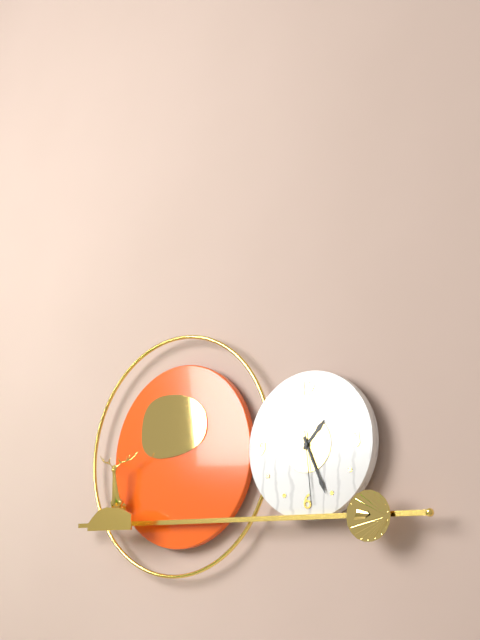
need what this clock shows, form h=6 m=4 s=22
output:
h=1 m=26 s=29
